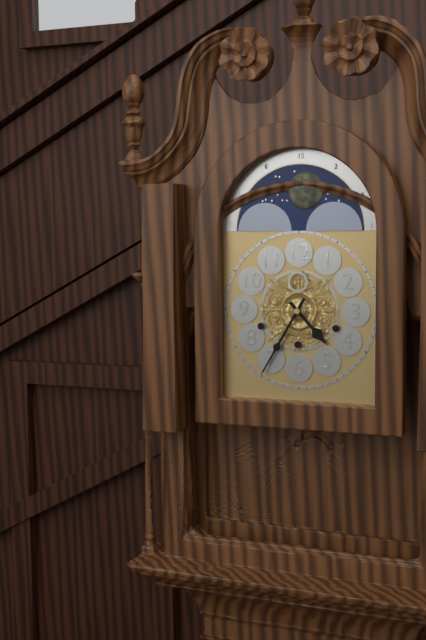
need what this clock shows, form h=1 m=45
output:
h=4 m=35
